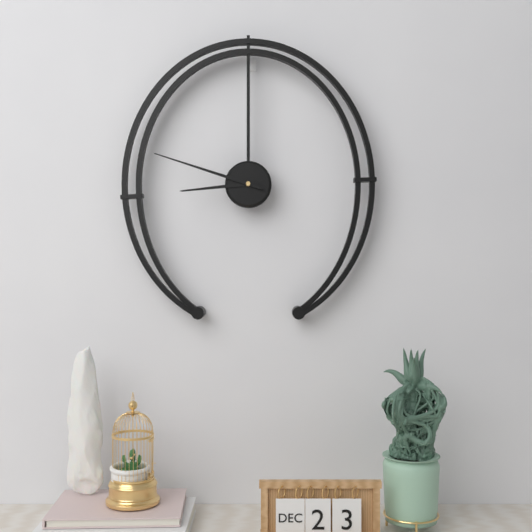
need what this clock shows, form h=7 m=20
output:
h=8 m=48
